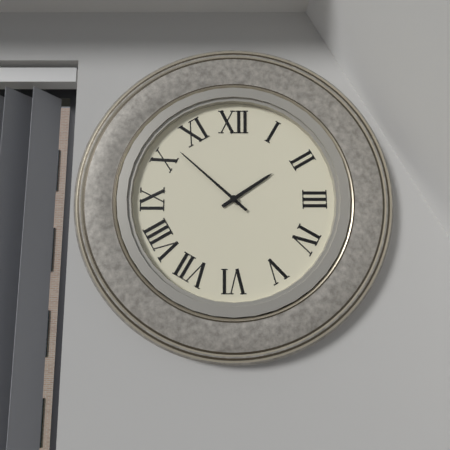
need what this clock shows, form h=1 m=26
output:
h=1 m=52
